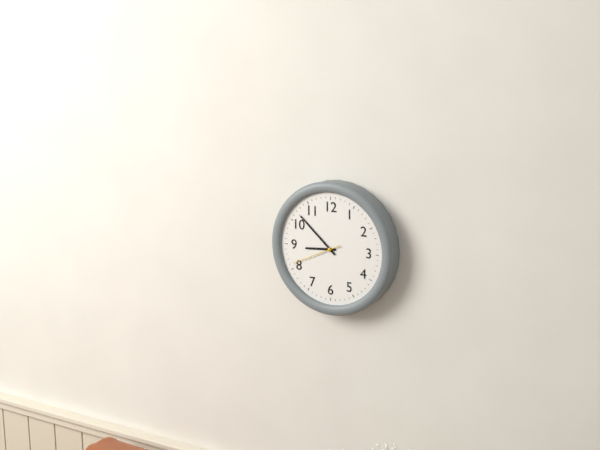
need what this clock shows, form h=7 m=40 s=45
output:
h=8 m=52 s=41
